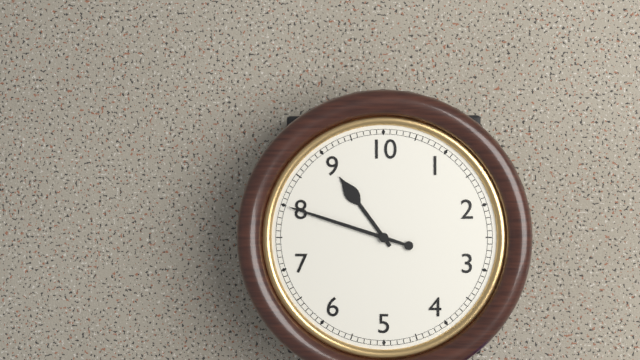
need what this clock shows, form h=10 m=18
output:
h=10 m=48
